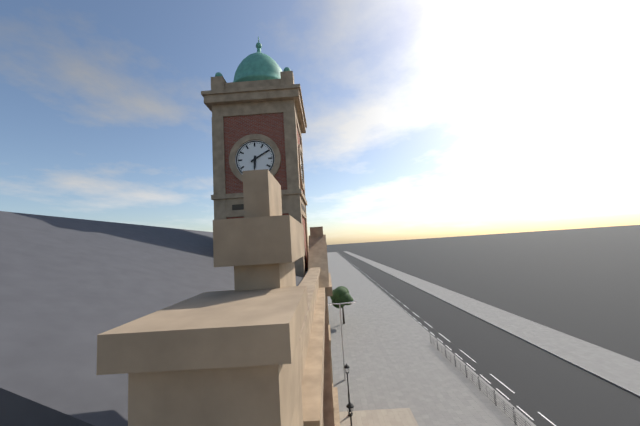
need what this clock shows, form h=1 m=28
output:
h=6 m=10
